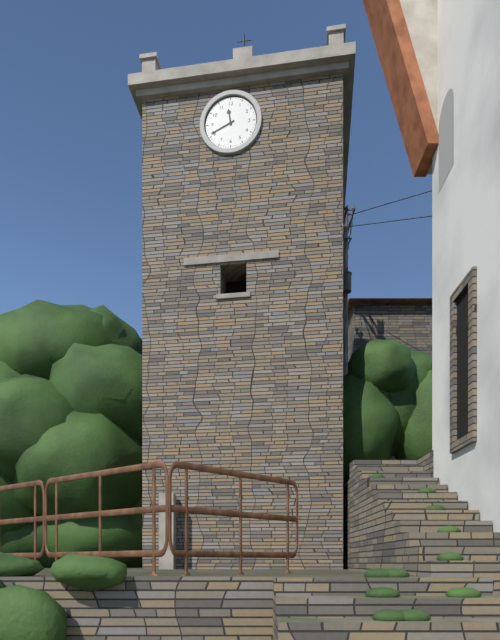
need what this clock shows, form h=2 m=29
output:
h=11 m=41
